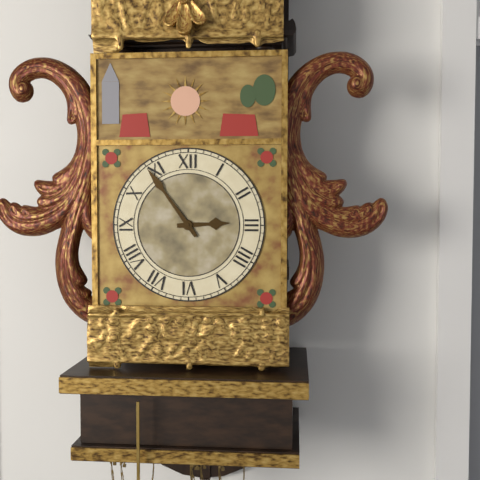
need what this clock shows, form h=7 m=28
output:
h=2 m=54
